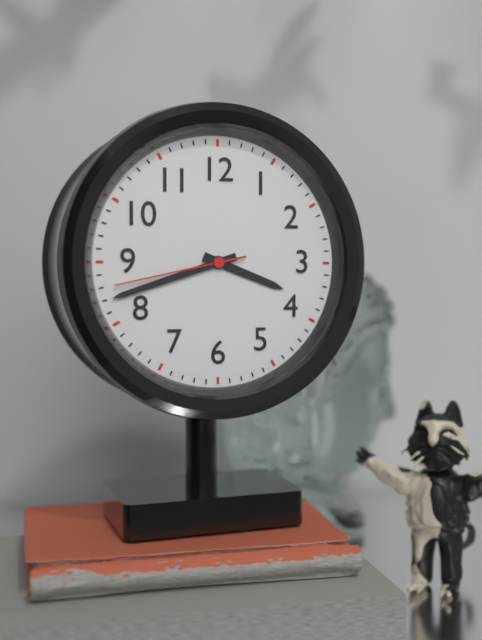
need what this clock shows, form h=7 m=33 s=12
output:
h=3 m=42 s=43
